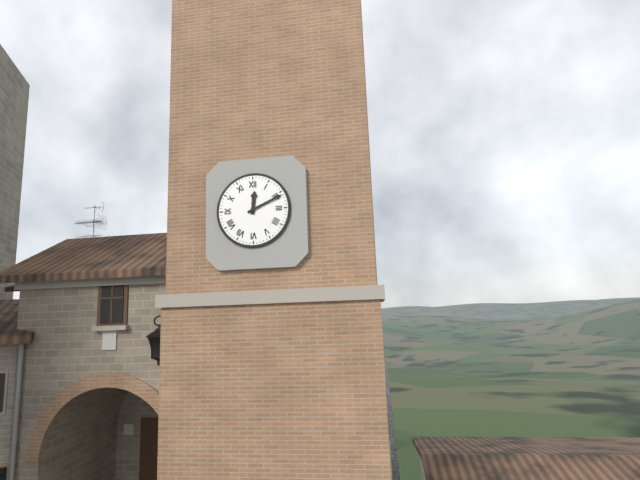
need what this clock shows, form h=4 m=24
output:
h=12 m=11
